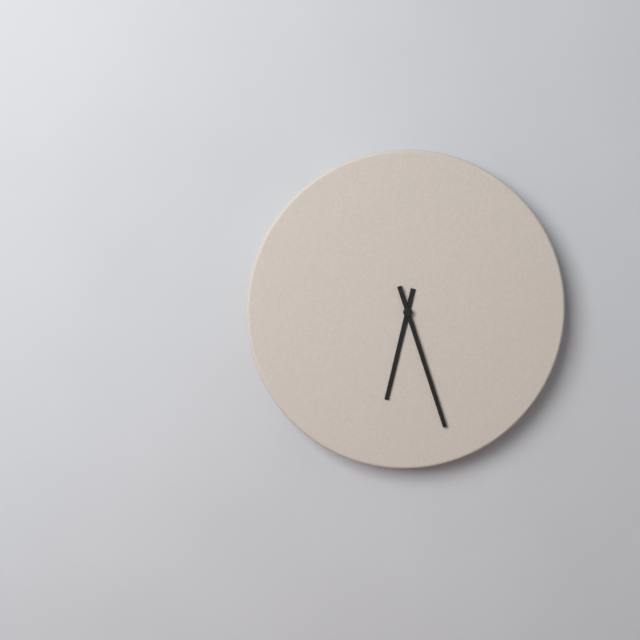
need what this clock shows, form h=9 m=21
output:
h=6 m=27
